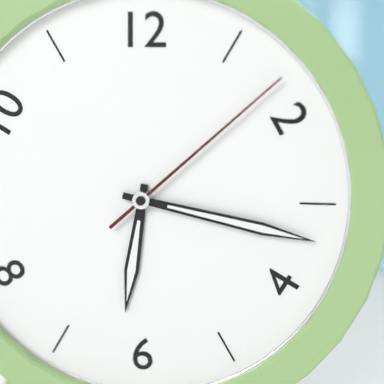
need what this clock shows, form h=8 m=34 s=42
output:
h=6 m=17 s=8
